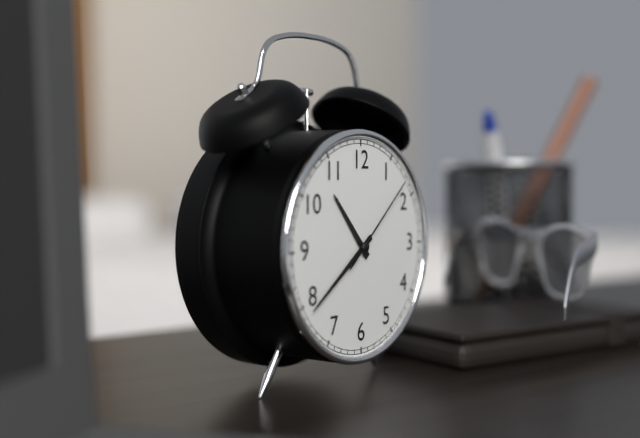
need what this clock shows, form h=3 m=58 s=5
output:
h=10 m=39 s=8
